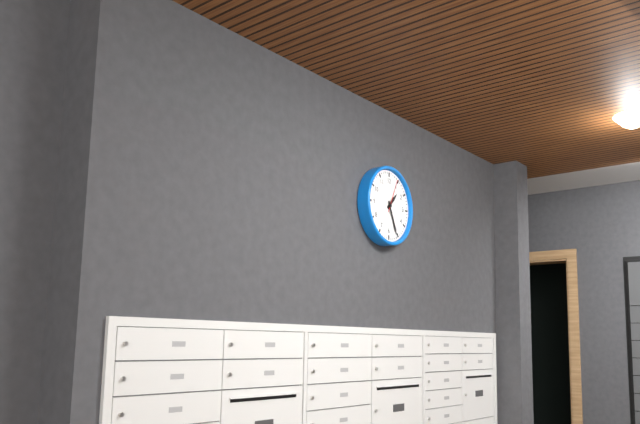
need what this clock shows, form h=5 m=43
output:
h=1 m=26
